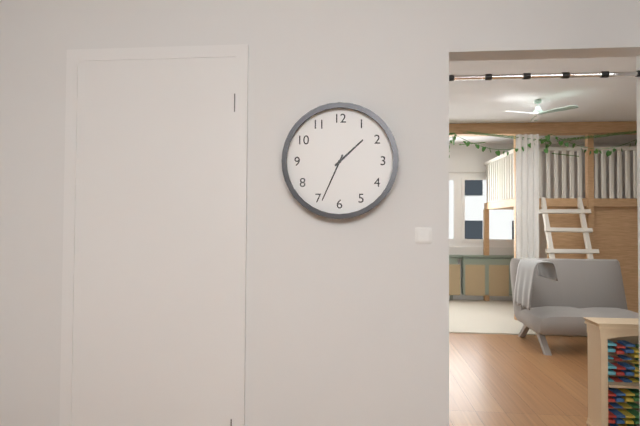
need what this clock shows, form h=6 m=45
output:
h=1 m=34
